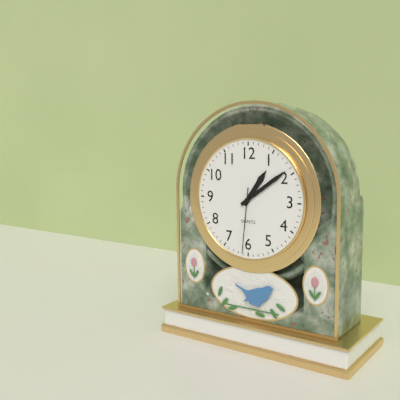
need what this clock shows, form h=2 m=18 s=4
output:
h=1 m=9 s=31
